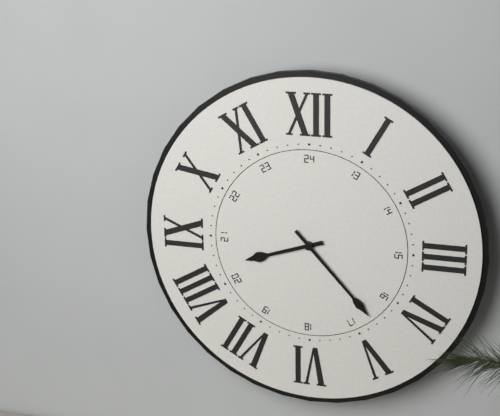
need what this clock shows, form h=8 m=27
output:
h=8 m=23
